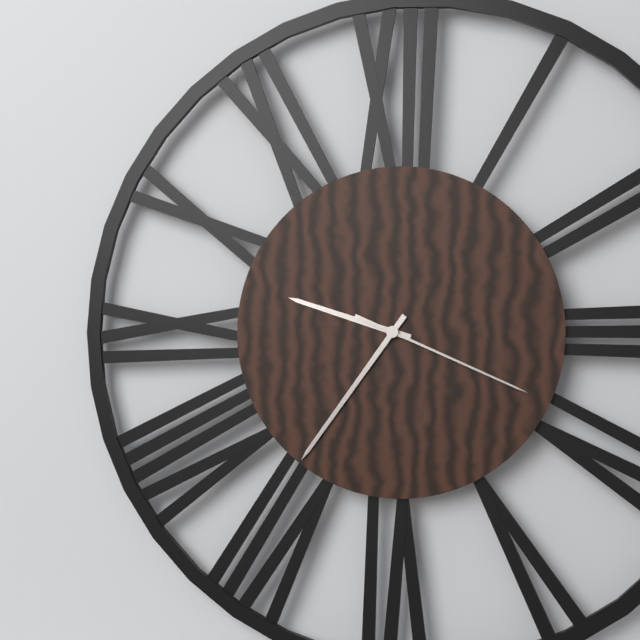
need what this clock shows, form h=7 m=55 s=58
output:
h=9 m=36 s=19
